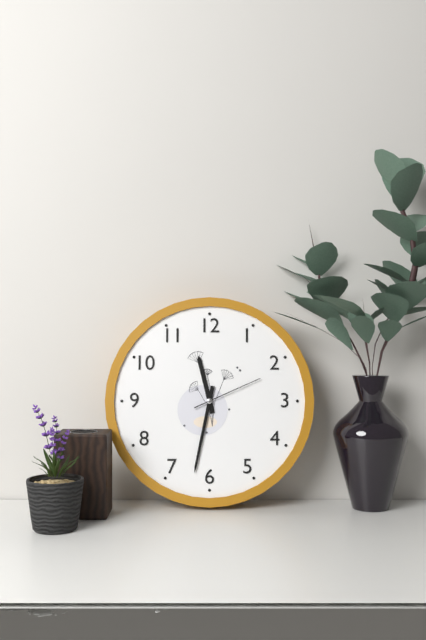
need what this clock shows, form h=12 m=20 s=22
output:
h=11 m=32 s=11
